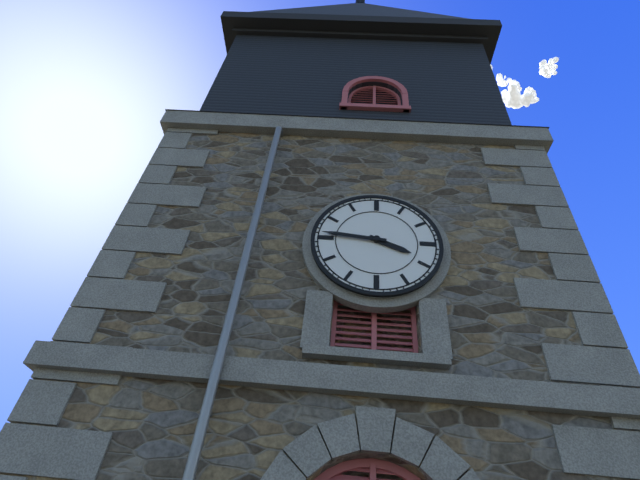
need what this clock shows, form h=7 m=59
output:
h=3 m=46
